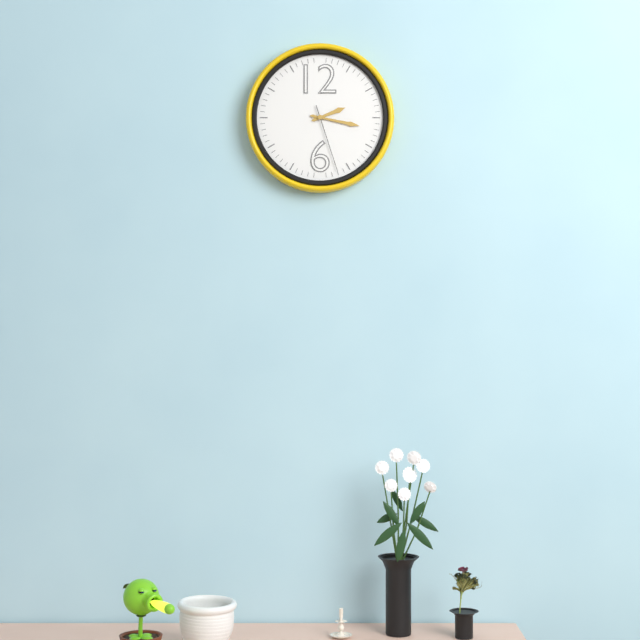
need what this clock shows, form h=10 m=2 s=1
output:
h=2 m=17 s=27
